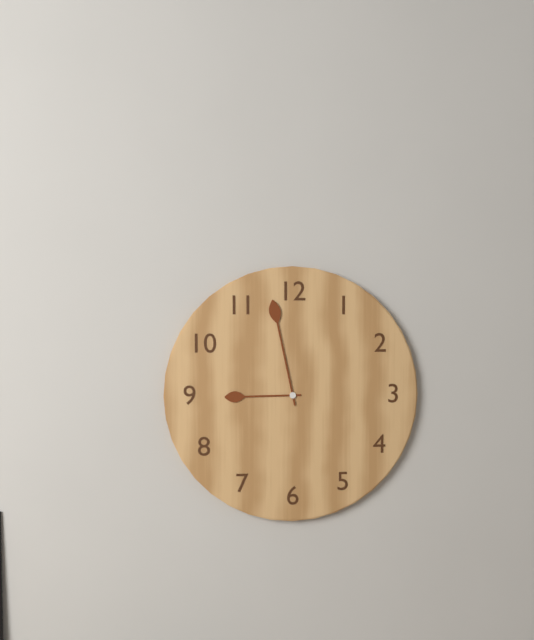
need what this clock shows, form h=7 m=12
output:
h=8 m=58
